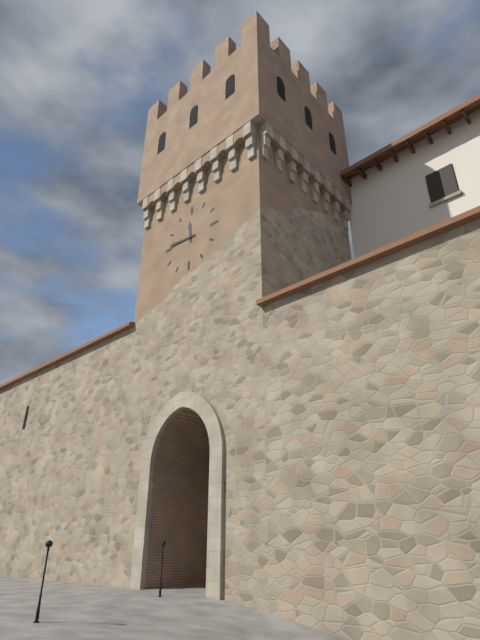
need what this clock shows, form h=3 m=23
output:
h=11 m=46
